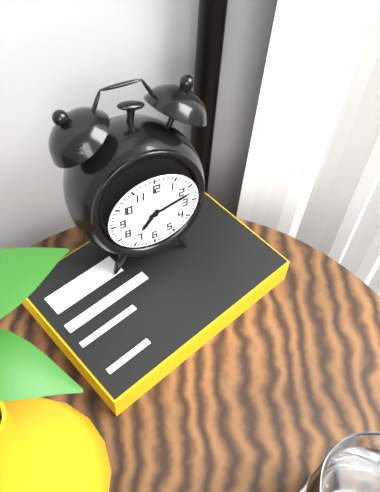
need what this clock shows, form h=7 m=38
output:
h=7 m=12
